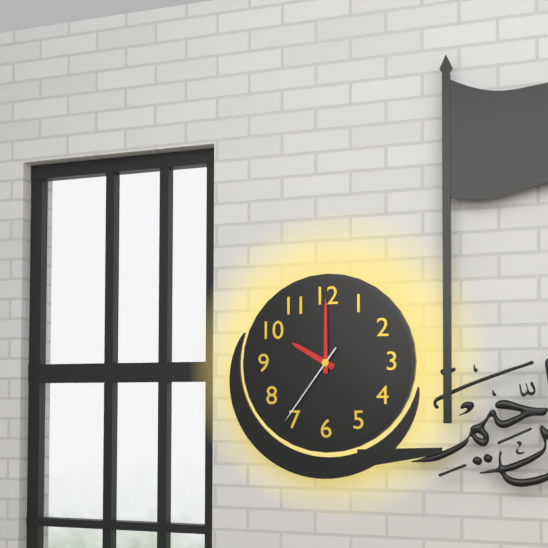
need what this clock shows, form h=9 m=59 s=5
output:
h=10 m=0 s=36
